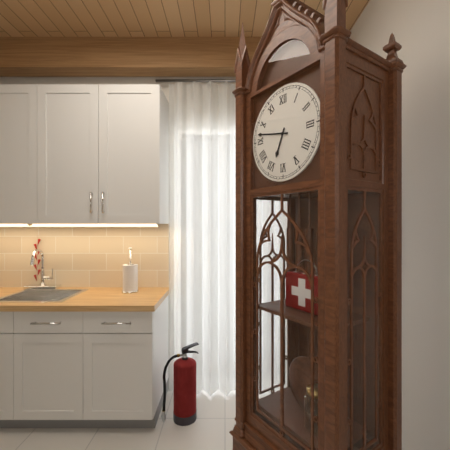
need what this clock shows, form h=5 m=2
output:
h=6 m=47
